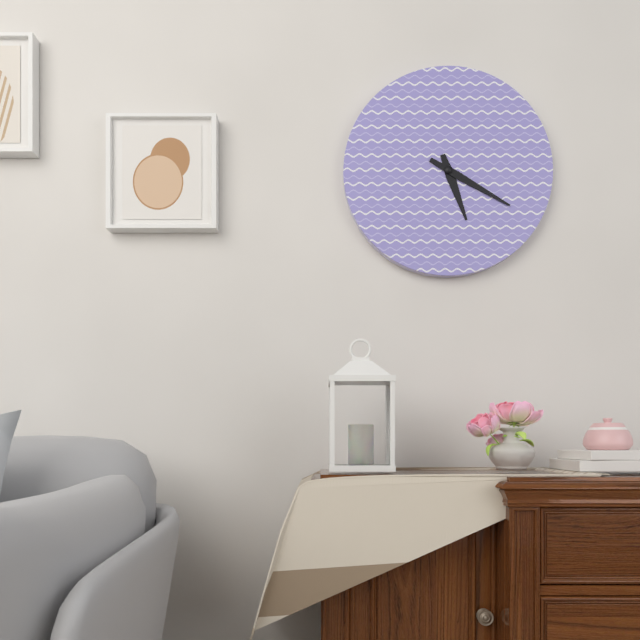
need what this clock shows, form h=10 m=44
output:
h=5 m=20
